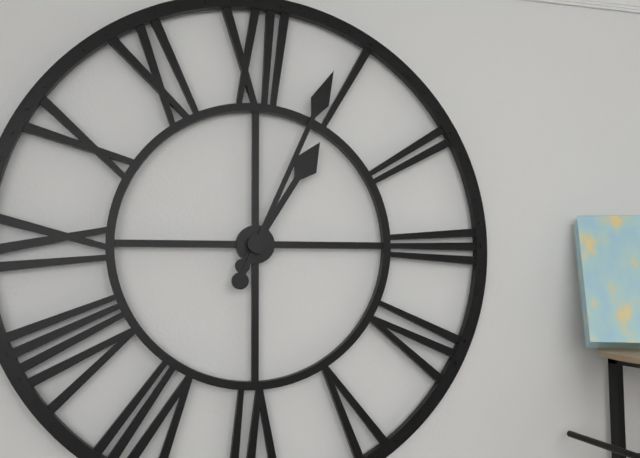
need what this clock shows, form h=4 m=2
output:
h=1 m=4
